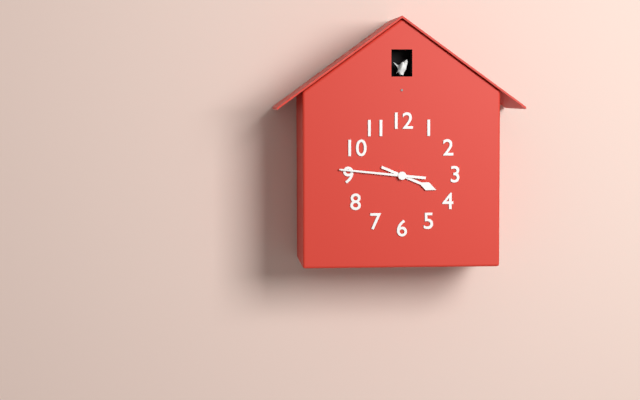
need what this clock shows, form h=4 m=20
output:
h=3 m=46
